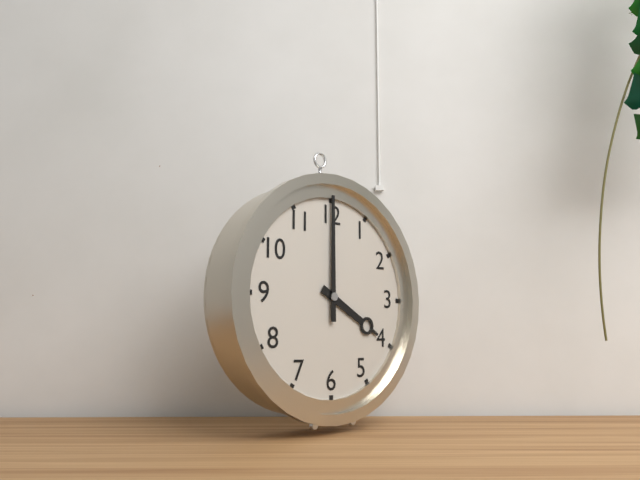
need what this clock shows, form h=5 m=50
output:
h=4 m=0
